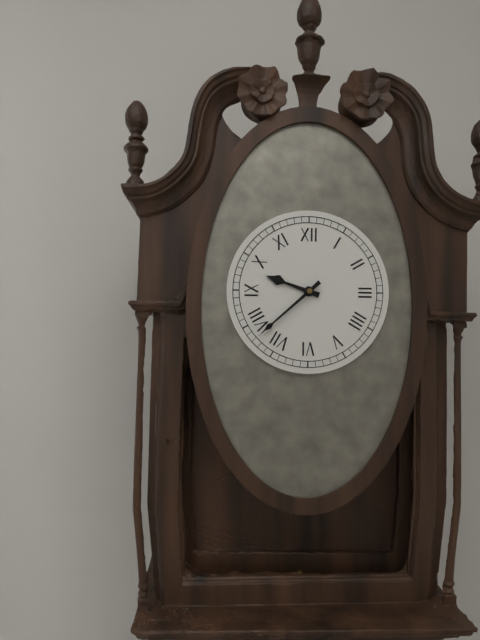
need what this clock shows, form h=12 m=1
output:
h=9 m=38
